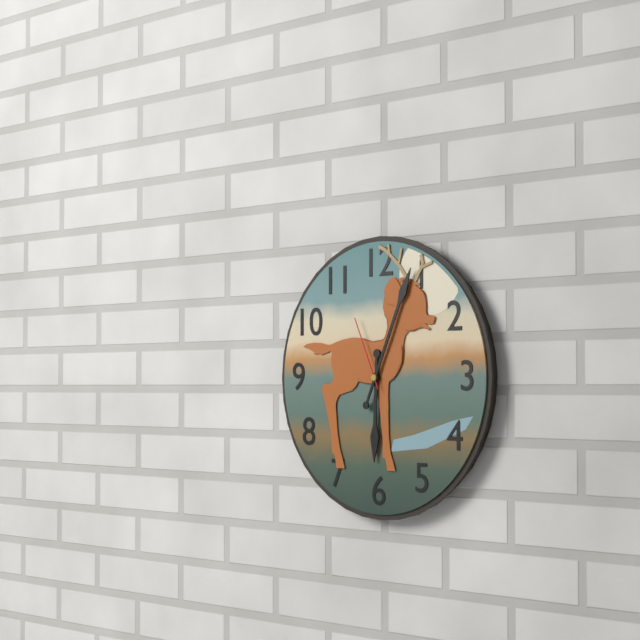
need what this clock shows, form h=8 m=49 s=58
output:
h=6 m=4 s=56
